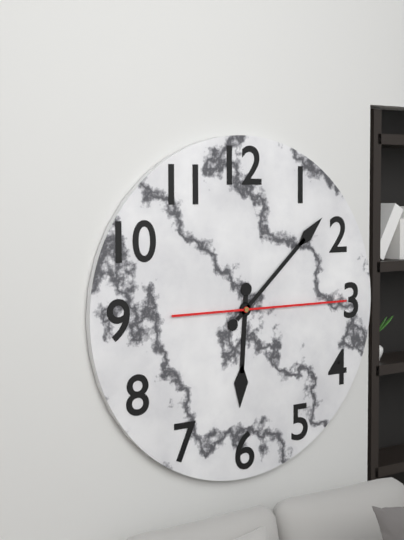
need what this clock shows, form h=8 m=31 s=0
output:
h=6 m=8 s=15
